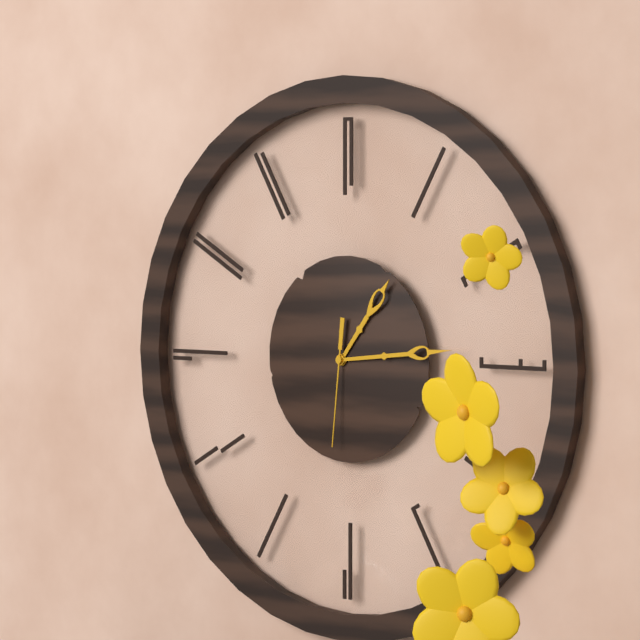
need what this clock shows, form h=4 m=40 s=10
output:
h=1 m=14 s=31
